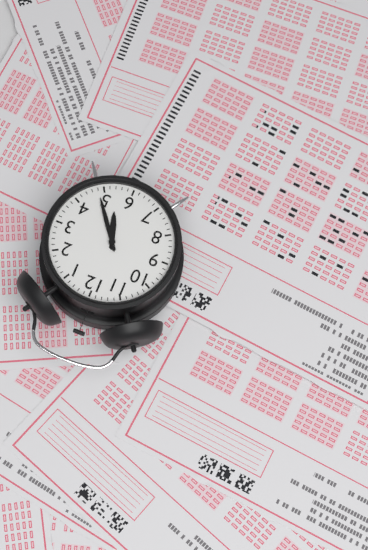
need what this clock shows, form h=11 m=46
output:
h=5 m=24
